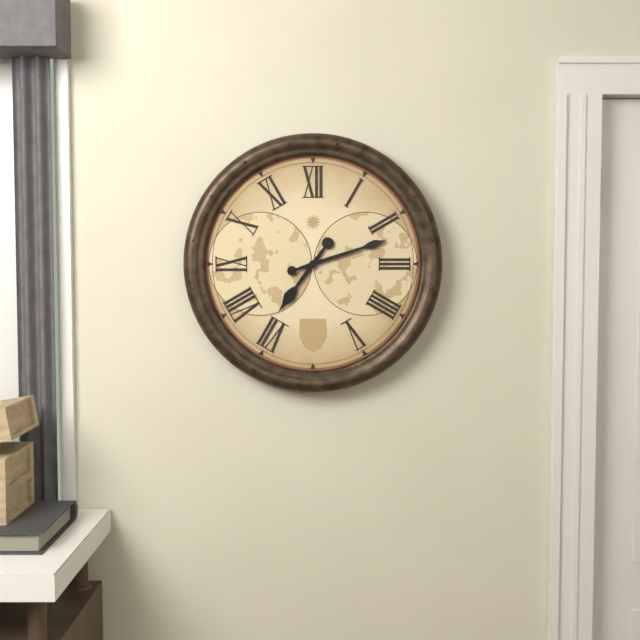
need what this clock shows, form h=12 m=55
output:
h=7 m=12
